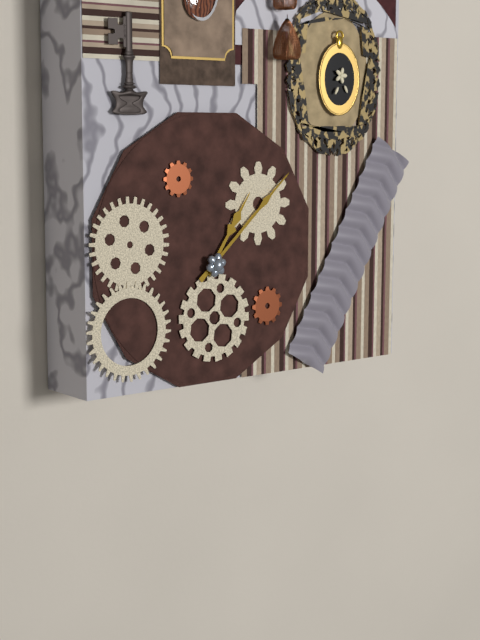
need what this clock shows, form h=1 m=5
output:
h=1 m=8
